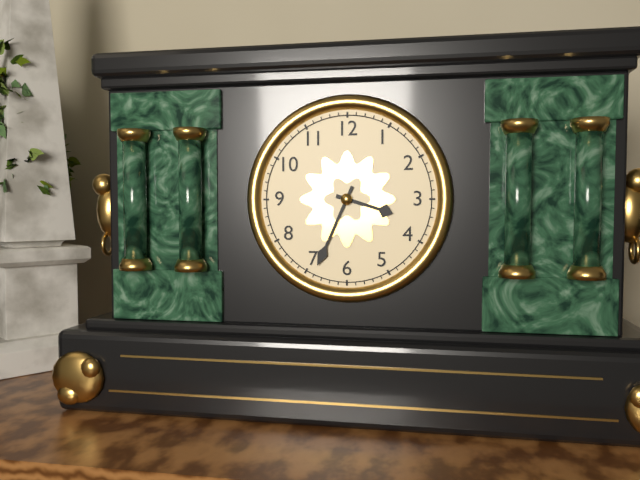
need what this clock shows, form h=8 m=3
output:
h=3 m=34
